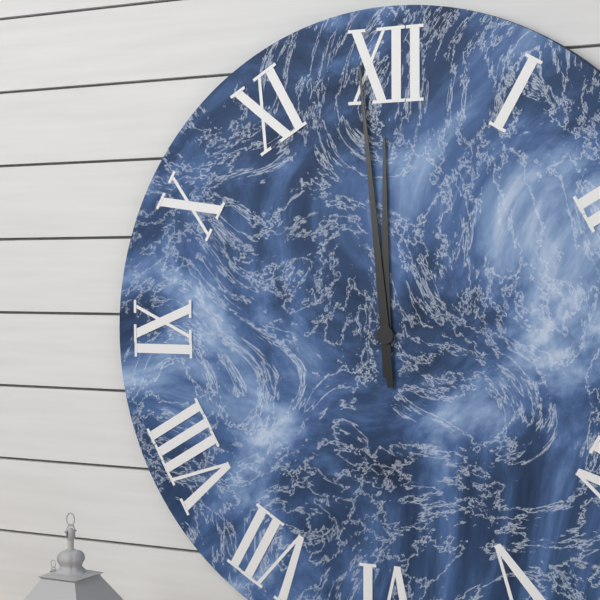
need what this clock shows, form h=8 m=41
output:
h=11 m=59
